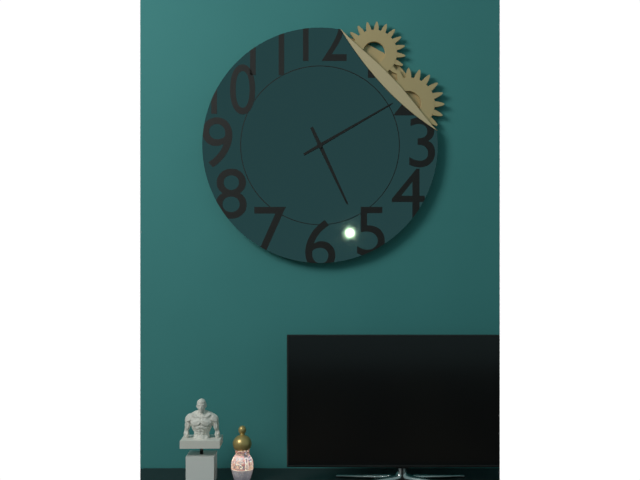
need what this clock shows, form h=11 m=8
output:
h=5 m=10
